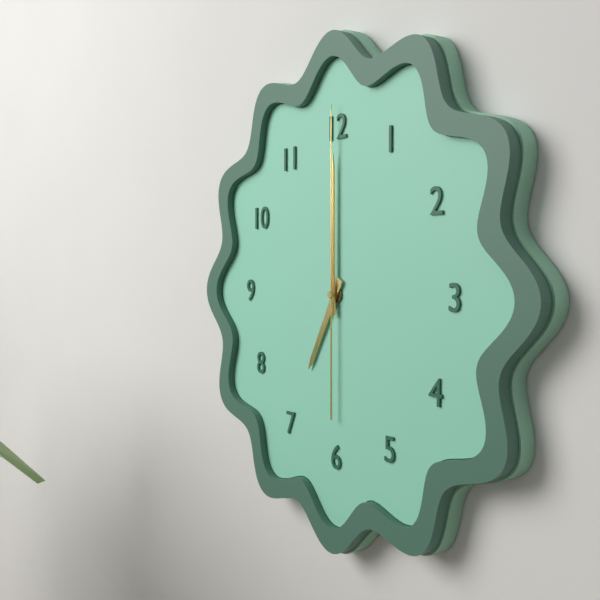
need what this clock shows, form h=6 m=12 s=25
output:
h=7 m=0 s=0
